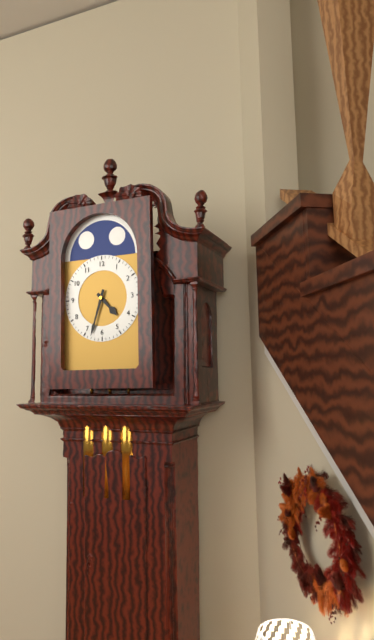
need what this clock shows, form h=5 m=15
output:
h=4 m=33
